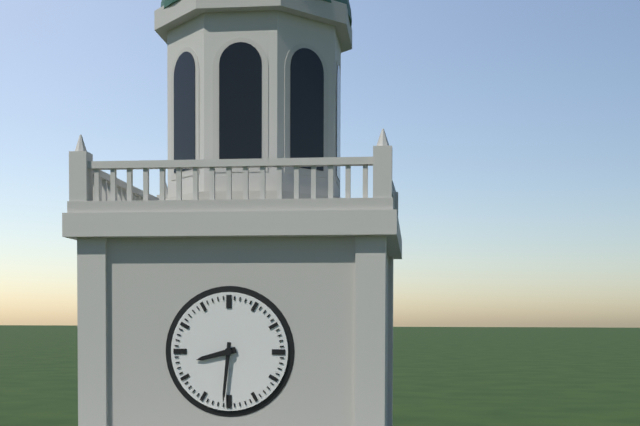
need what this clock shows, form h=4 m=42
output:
h=8 m=31
